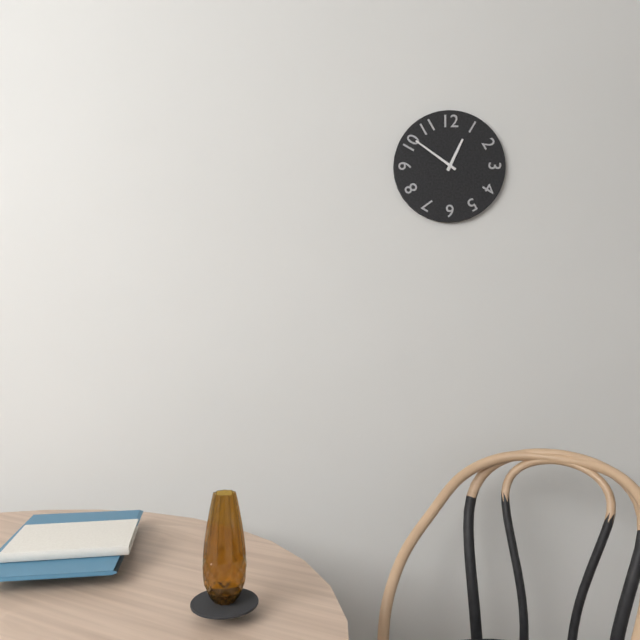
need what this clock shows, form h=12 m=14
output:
h=12 m=51
